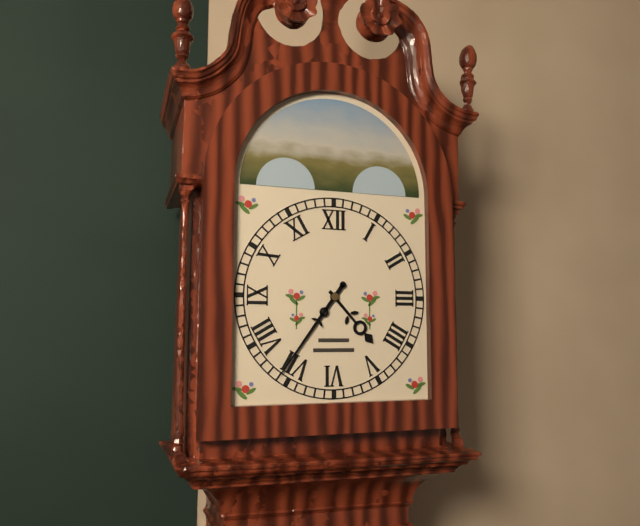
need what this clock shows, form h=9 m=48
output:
h=4 m=36
